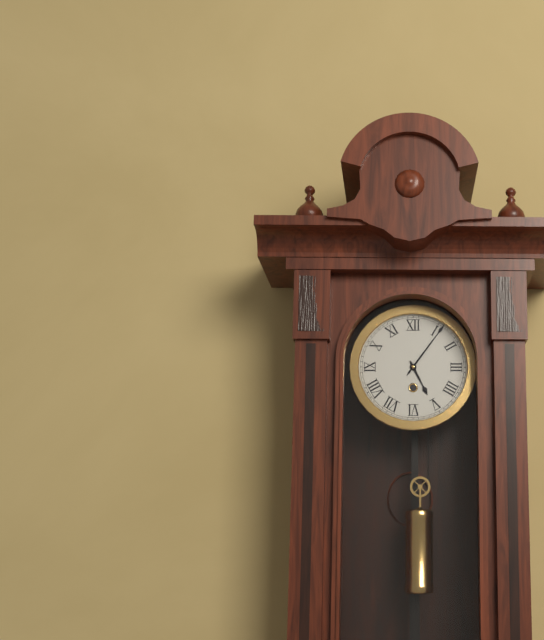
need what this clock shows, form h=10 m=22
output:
h=5 m=6
